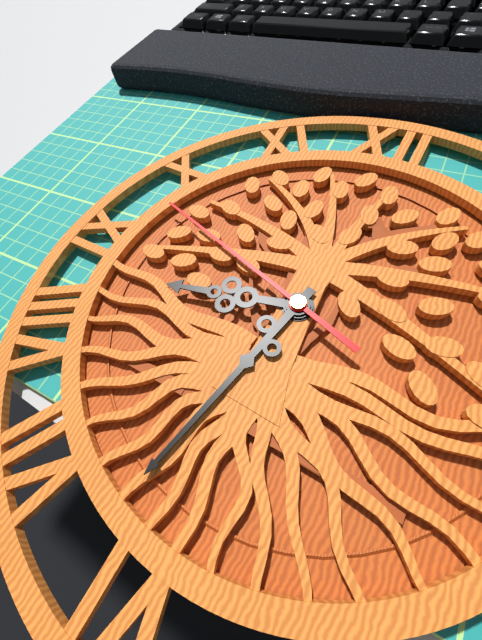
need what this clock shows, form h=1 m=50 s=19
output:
h=8 m=32 s=48
